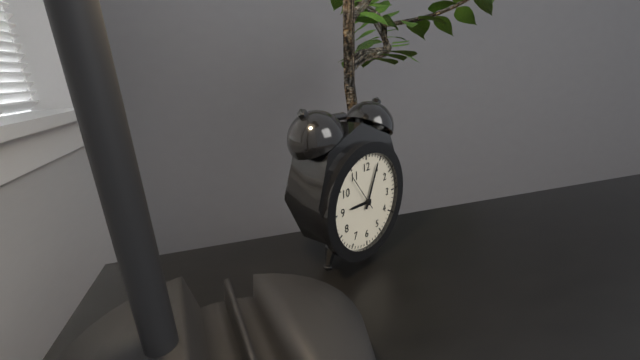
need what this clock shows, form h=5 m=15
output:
h=9 m=4
